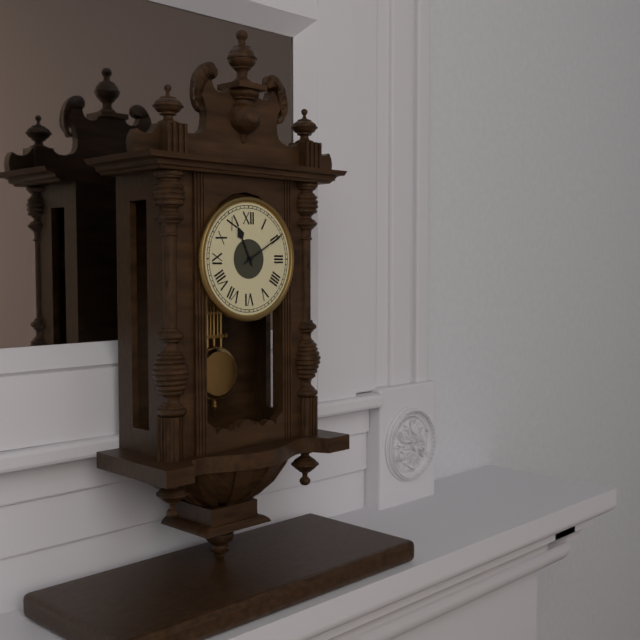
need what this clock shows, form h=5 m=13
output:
h=11 m=10
